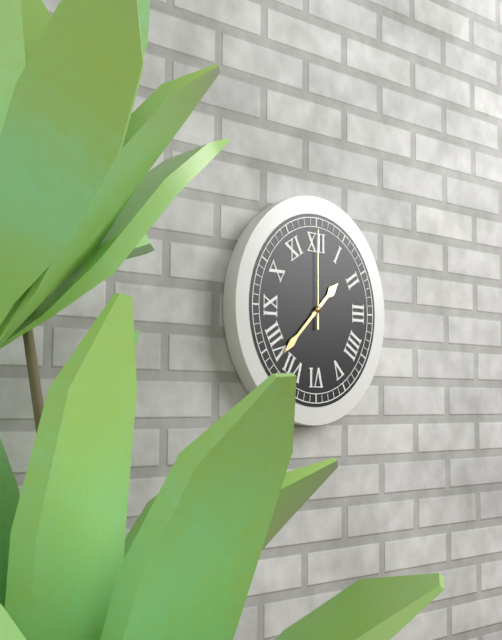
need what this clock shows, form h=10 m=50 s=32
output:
h=1 m=38 s=0
